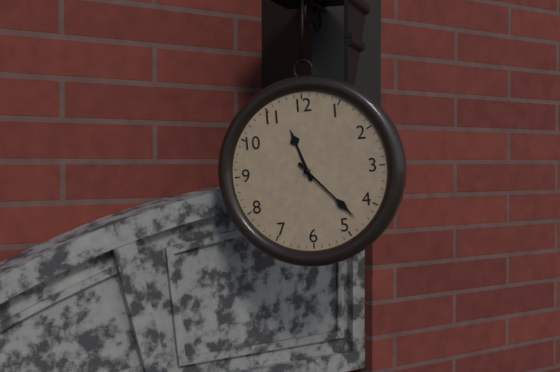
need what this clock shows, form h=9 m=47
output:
h=11 m=23
